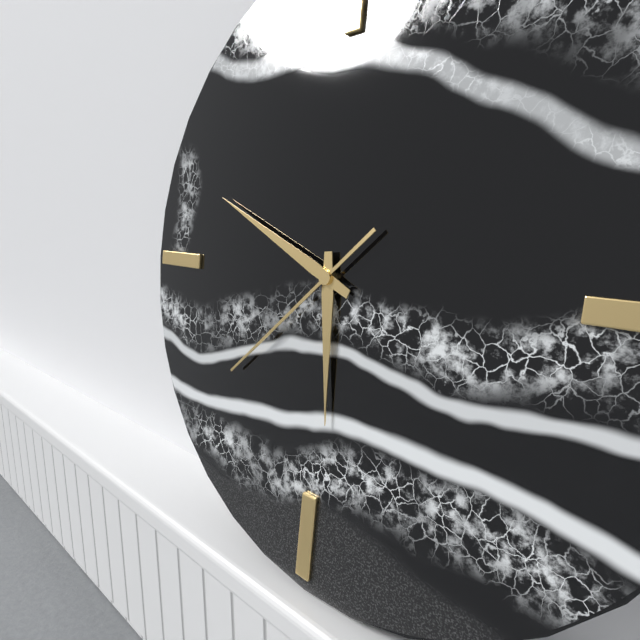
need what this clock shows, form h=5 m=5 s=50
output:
h=5 m=49 s=38
